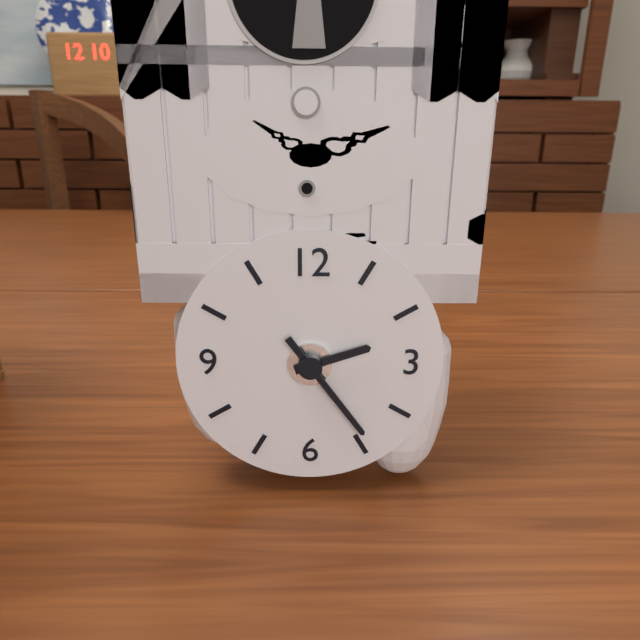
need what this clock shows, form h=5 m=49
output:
h=2 m=24
